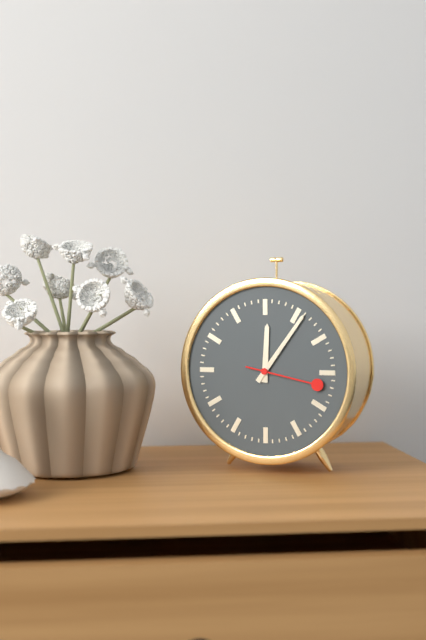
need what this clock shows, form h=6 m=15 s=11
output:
h=12 m=6 s=17
